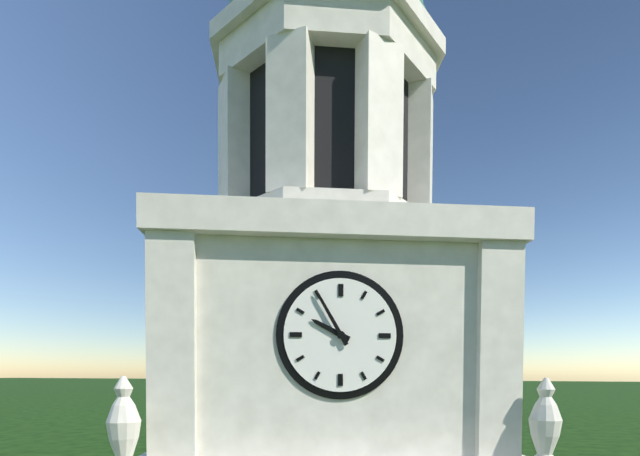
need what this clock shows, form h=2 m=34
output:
h=9 m=55
